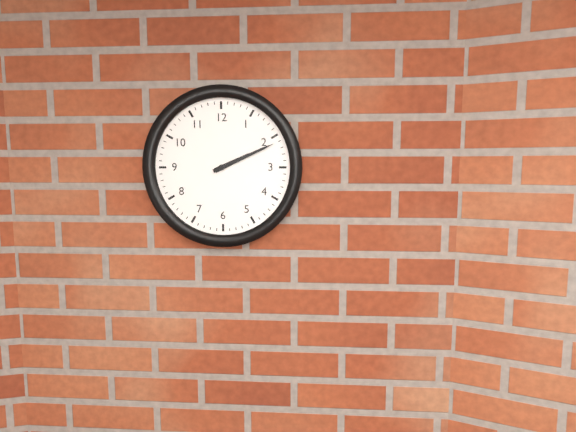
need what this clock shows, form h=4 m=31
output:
h=2 m=11
